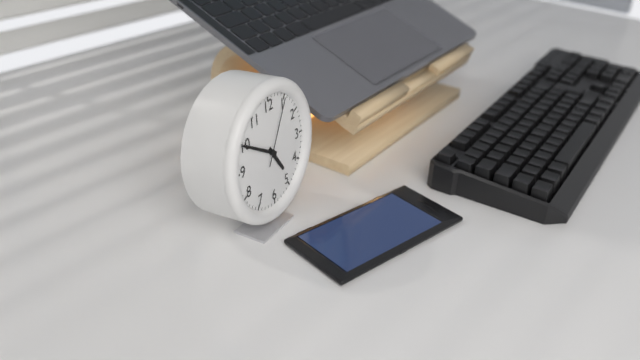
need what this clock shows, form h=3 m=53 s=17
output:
h=4 m=50 s=5
